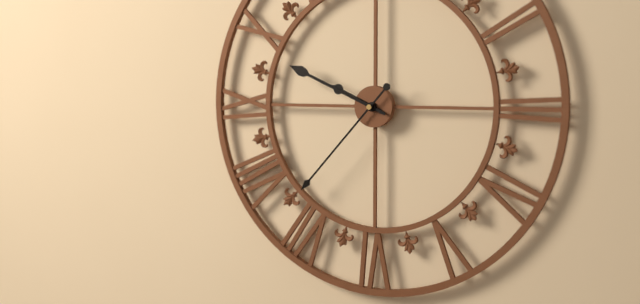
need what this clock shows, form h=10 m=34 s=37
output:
h=9 m=49 s=37
